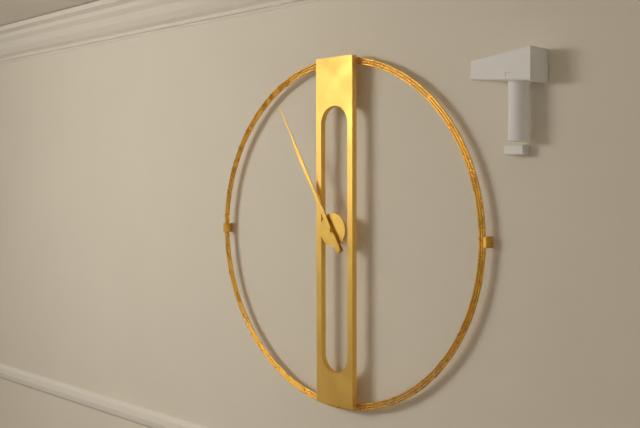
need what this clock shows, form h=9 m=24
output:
h=10 m=55
